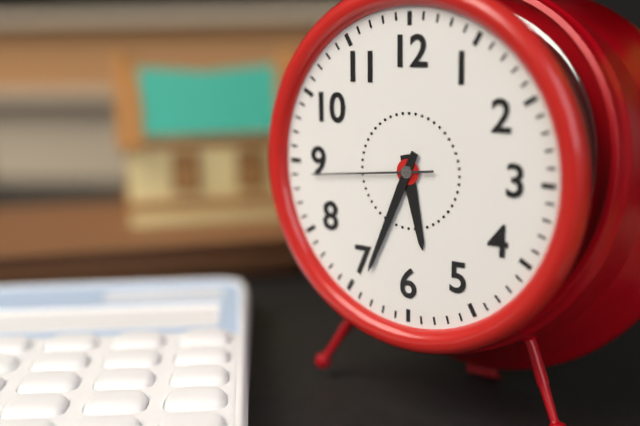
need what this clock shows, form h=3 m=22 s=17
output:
h=5 m=34 s=44
